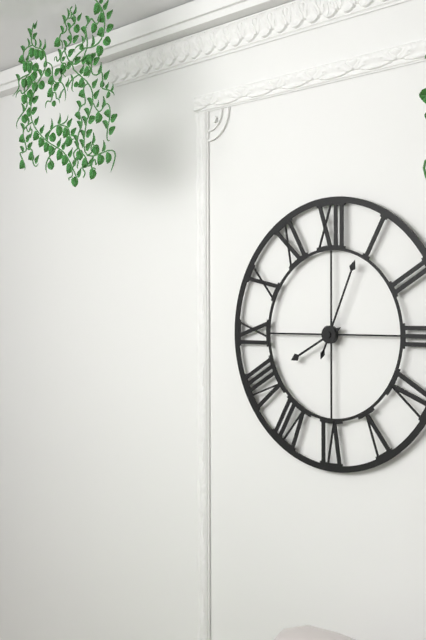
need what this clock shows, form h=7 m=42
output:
h=8 m=4
